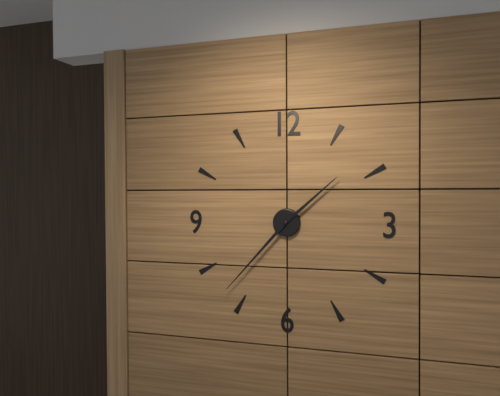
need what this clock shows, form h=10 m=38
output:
h=1 m=37
